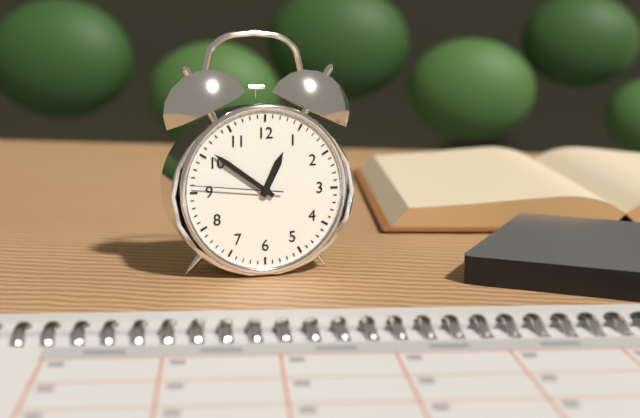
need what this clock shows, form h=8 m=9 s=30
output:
h=12 m=51 s=46
